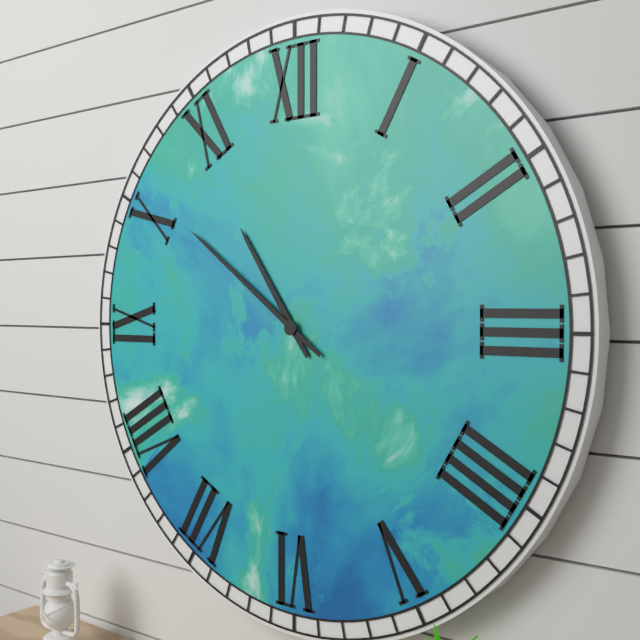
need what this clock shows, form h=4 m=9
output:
h=10 m=51
